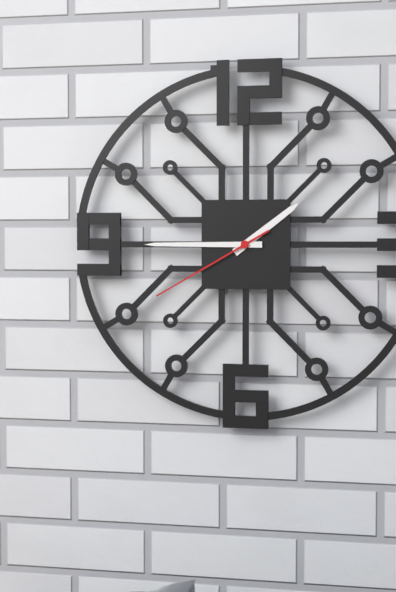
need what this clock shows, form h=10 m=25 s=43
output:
h=1 m=45 s=40
